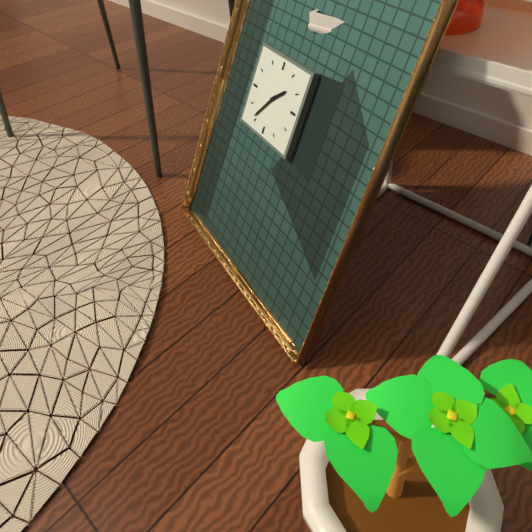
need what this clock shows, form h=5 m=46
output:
h=1 m=36
